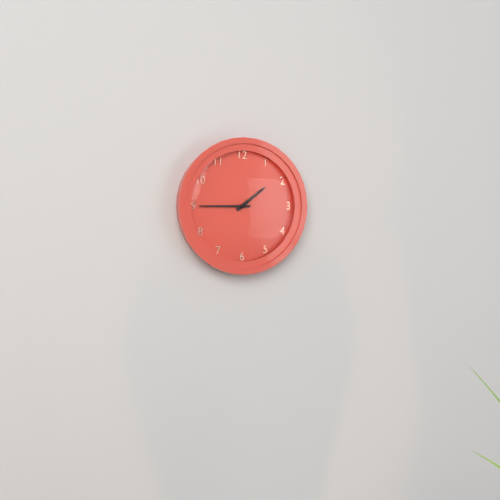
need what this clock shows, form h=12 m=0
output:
h=1 m=45
